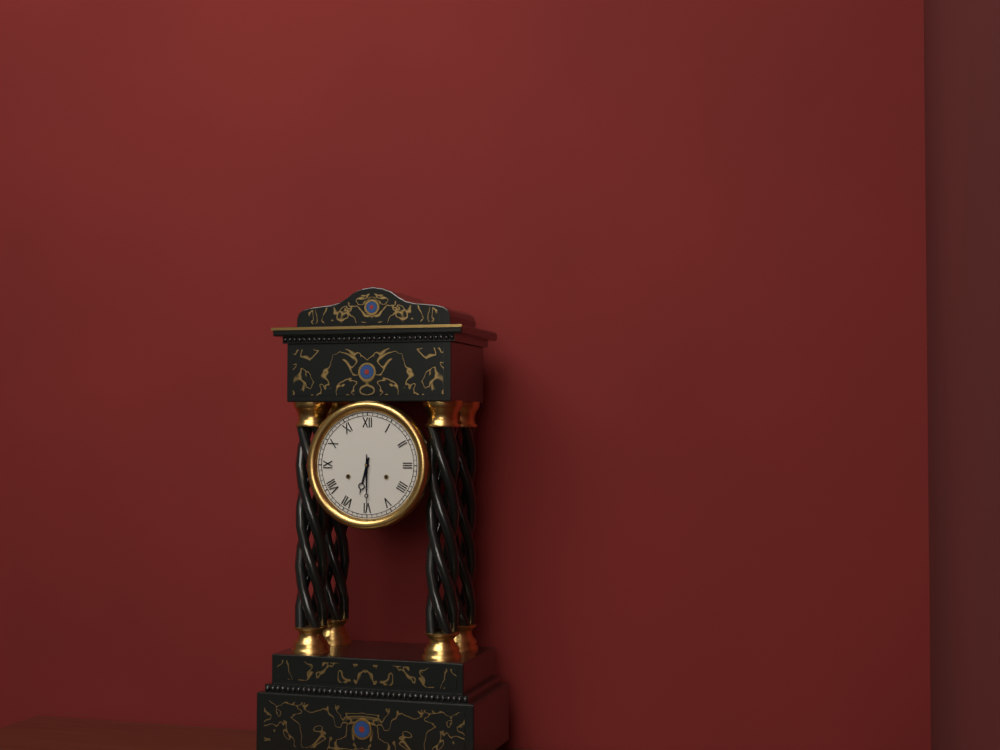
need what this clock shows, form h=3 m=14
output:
h=6 m=30
